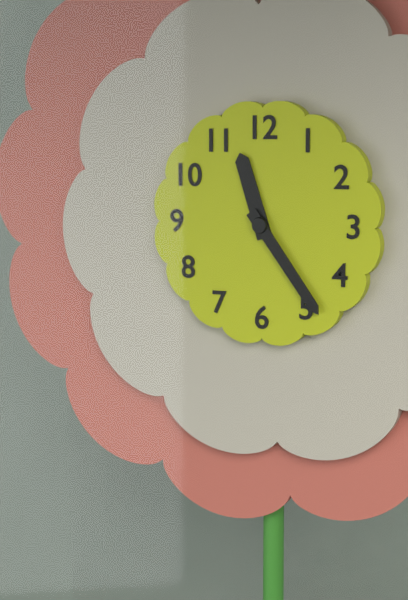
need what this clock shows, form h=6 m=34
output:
h=11 m=24
